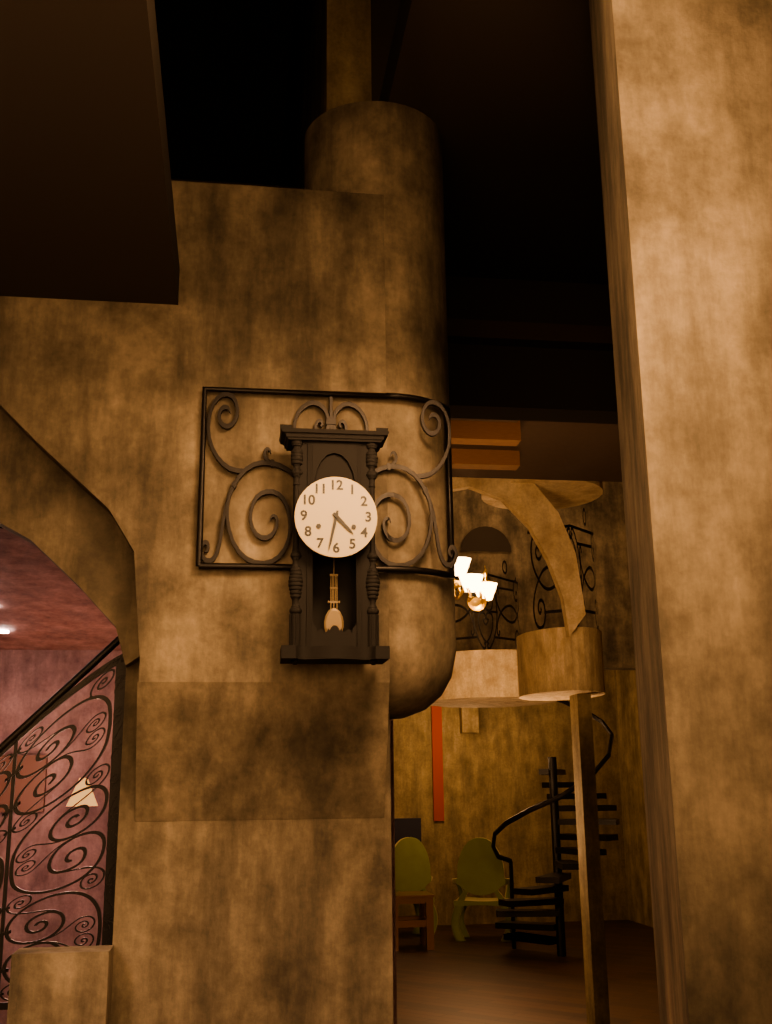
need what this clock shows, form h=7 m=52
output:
h=4 m=32
